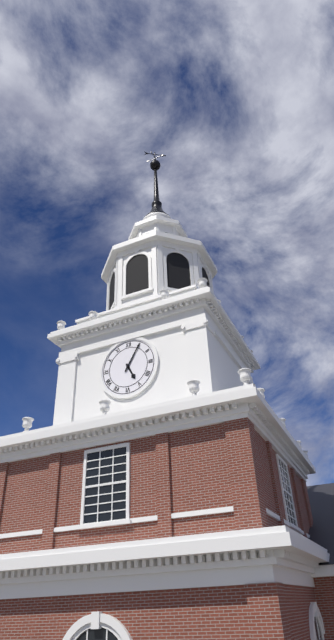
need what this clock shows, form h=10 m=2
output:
h=5 m=5
